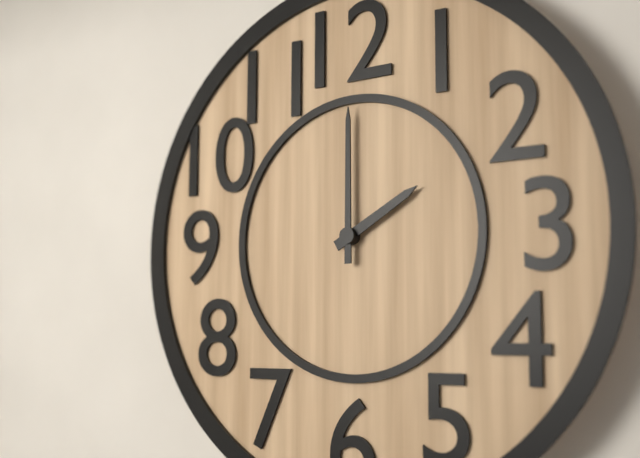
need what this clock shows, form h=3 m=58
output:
h=2 m=0
